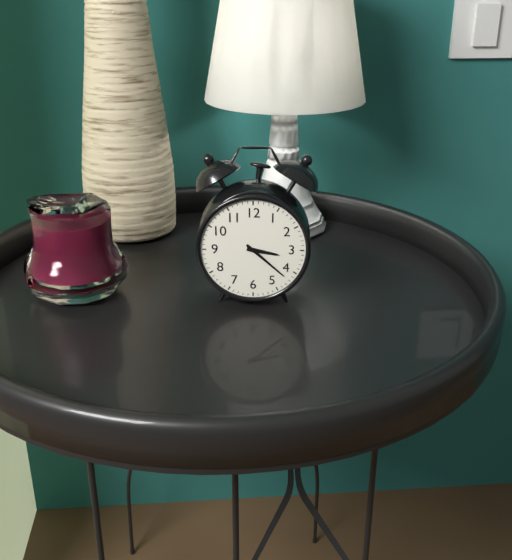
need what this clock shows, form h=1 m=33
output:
h=3 m=22
